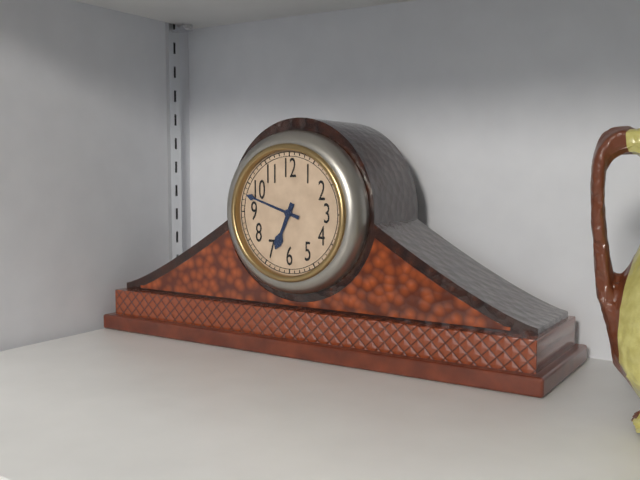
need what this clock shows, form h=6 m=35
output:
h=6 m=48
